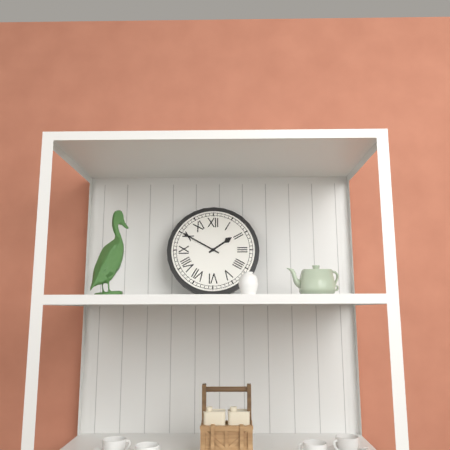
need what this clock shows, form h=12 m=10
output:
h=1 m=50
